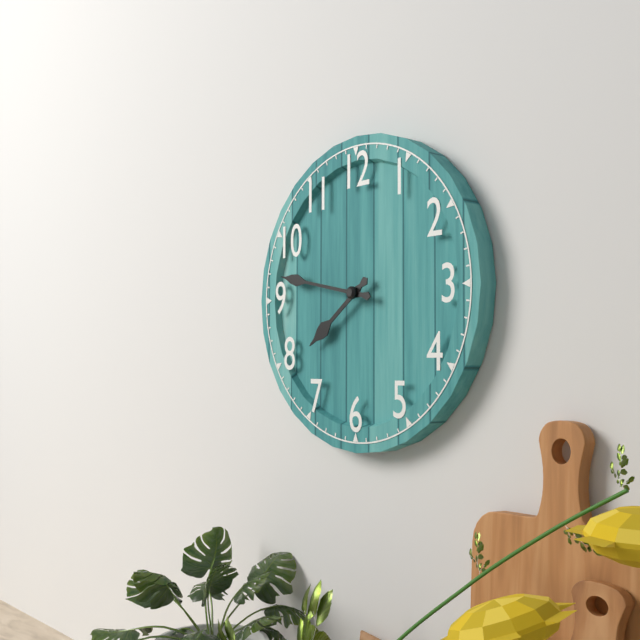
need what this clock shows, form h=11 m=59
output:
h=7 m=47
